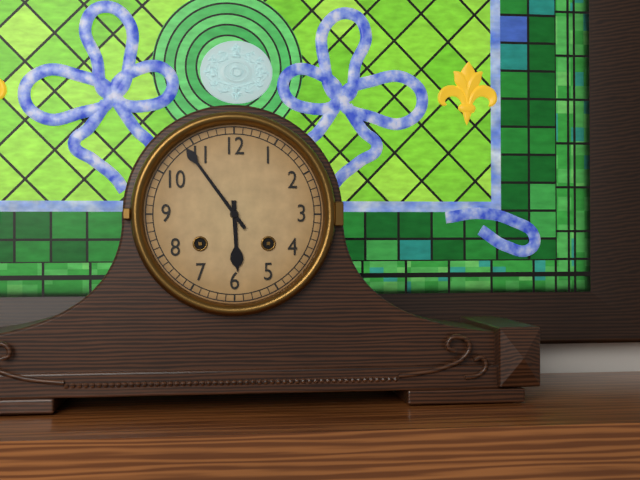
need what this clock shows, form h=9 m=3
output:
h=5 m=54
